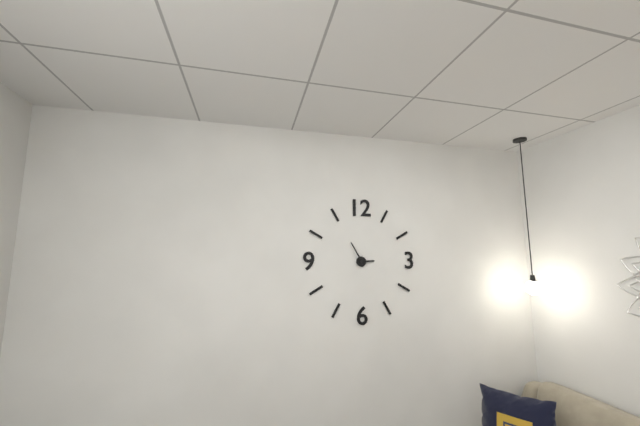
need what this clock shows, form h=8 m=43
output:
h=2 m=55
